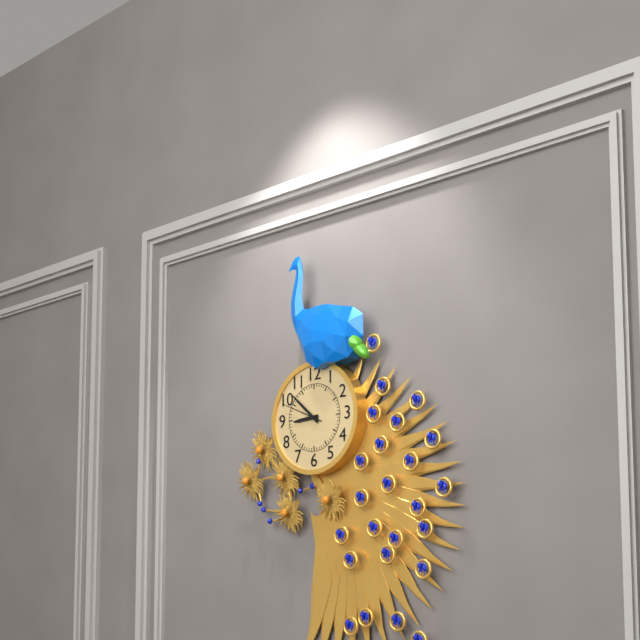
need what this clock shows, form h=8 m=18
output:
h=8 m=52
